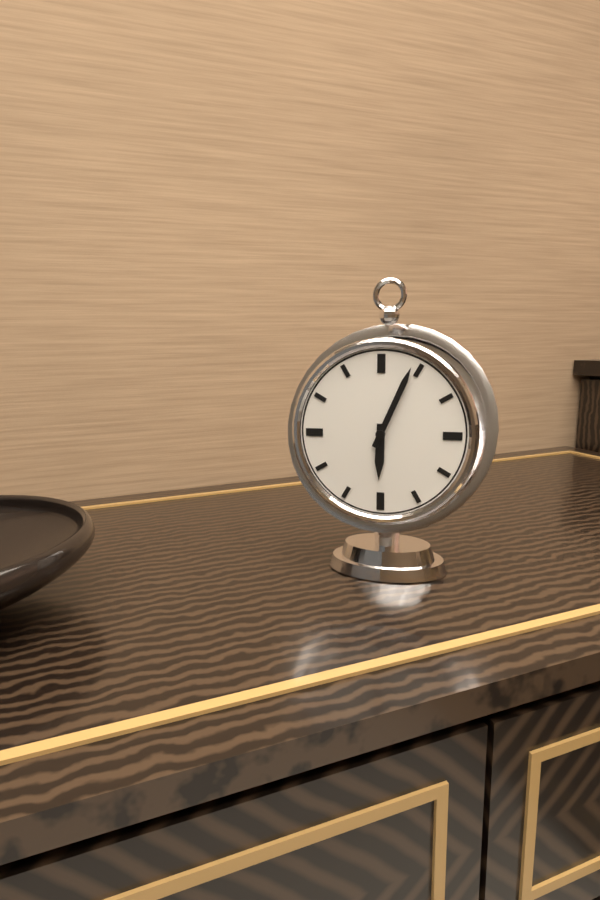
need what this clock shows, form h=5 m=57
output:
h=6 m=4
